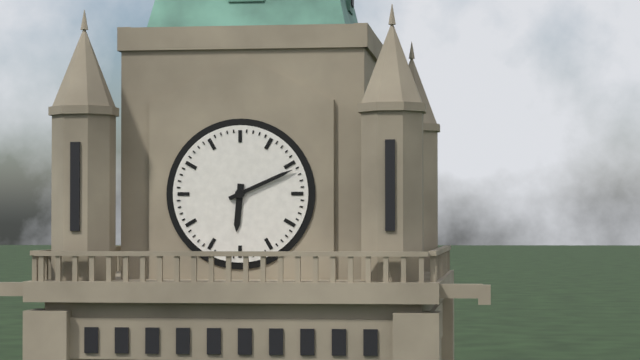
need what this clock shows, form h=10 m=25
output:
h=6 m=11
